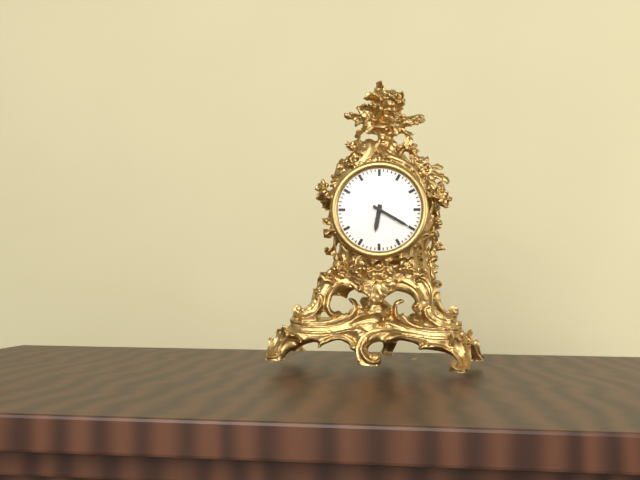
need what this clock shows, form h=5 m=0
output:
h=6 m=20
